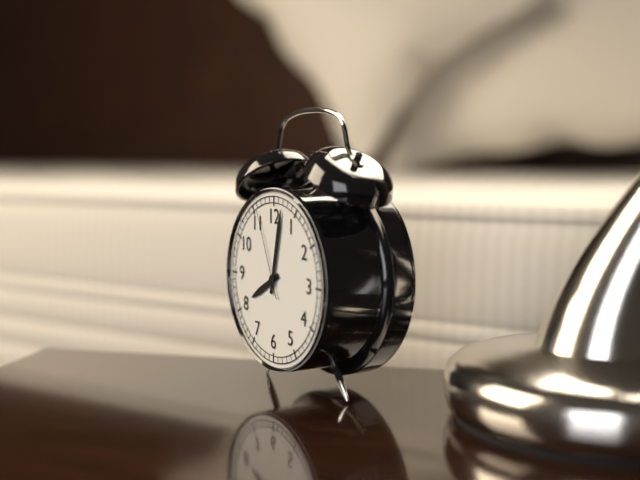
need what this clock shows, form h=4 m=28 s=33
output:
h=8 m=2 s=56
